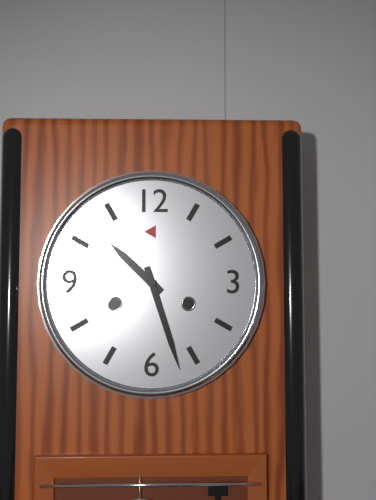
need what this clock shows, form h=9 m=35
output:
h=10 m=27
